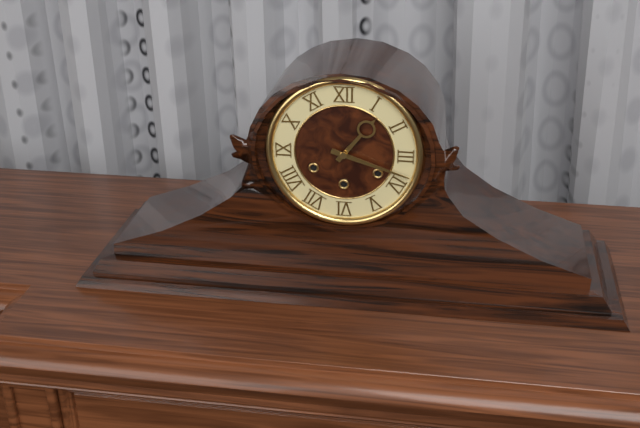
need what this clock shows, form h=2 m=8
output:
h=1 m=18
